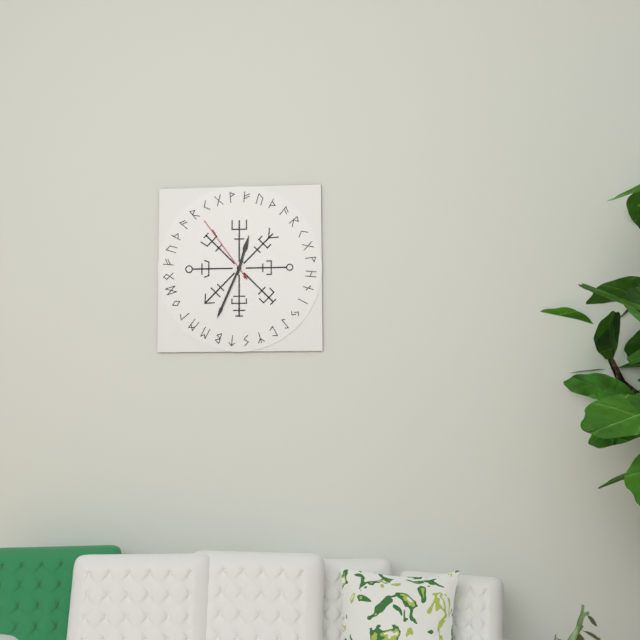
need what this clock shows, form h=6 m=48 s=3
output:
h=12 m=34 s=54
